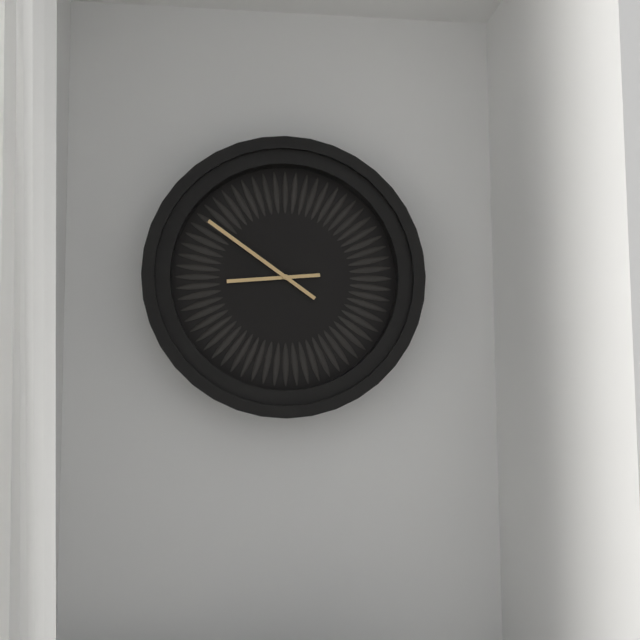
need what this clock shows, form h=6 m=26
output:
h=8 m=51
